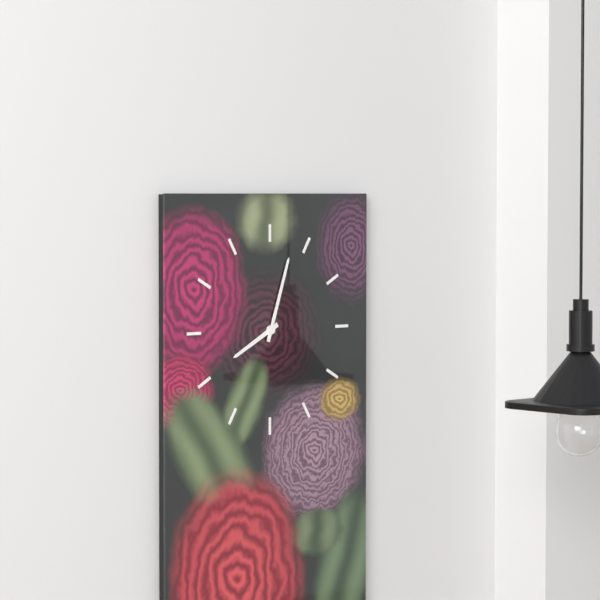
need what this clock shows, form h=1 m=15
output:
h=8 m=3
